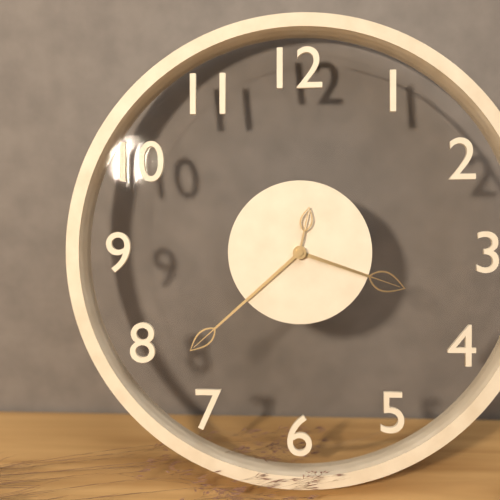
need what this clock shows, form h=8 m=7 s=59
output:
h=3 m=38 s=2
